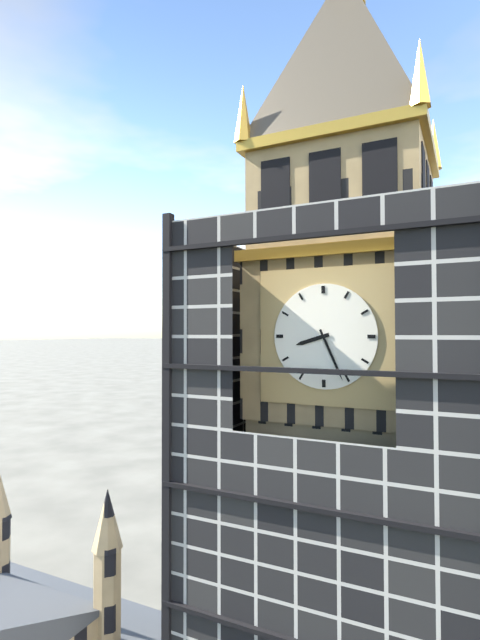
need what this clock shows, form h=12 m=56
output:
h=8 m=26
